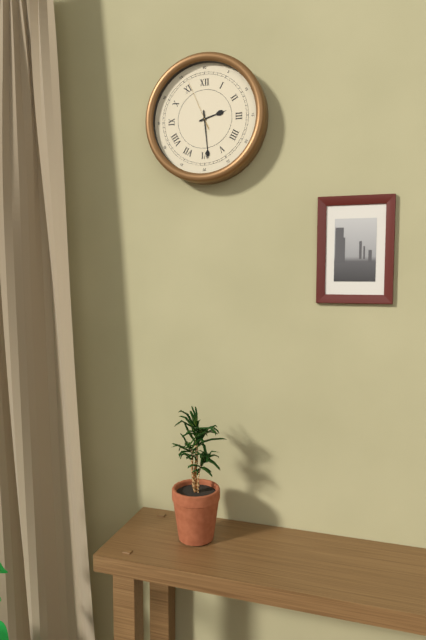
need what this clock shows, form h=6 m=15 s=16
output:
h=2 m=29 s=56
